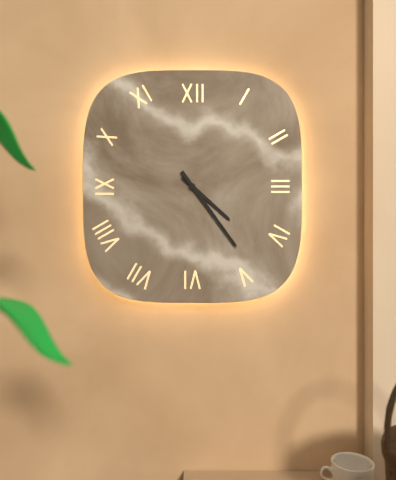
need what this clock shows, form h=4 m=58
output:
h=4 m=24
